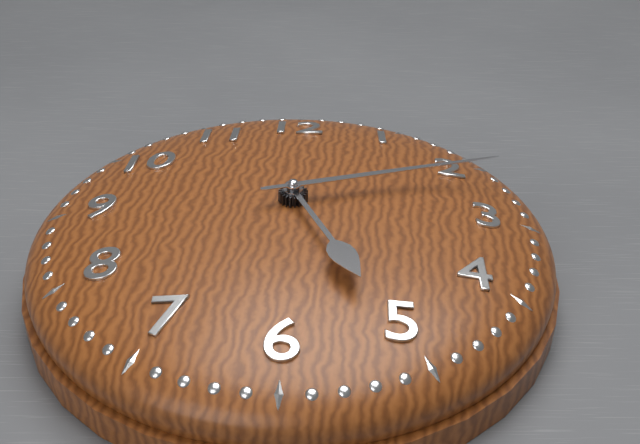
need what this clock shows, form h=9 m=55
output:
h=5 m=12
